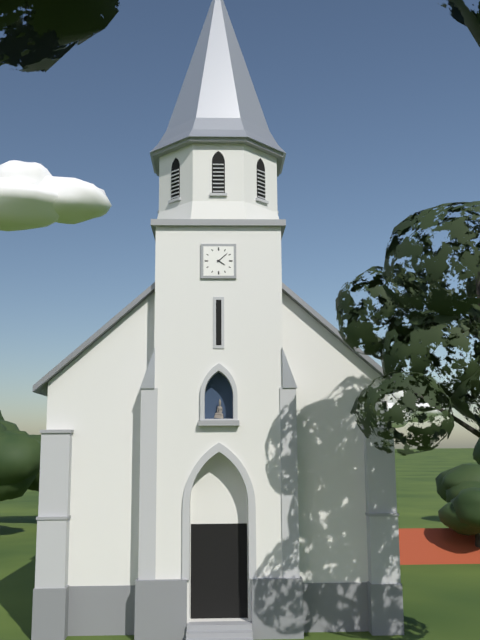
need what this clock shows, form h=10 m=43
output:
h=4 m=8
